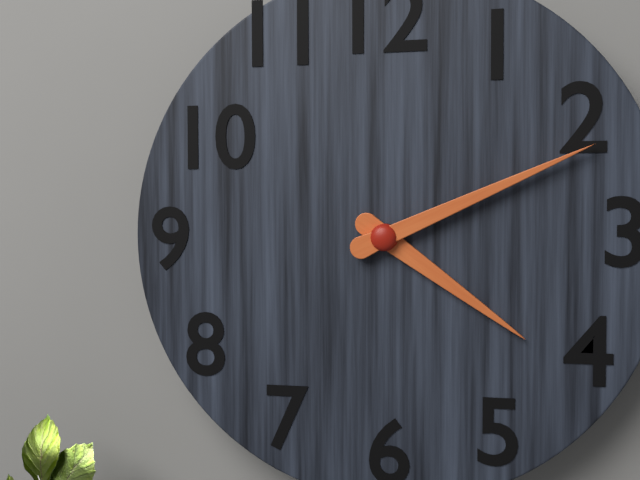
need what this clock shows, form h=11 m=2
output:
h=4 m=11
